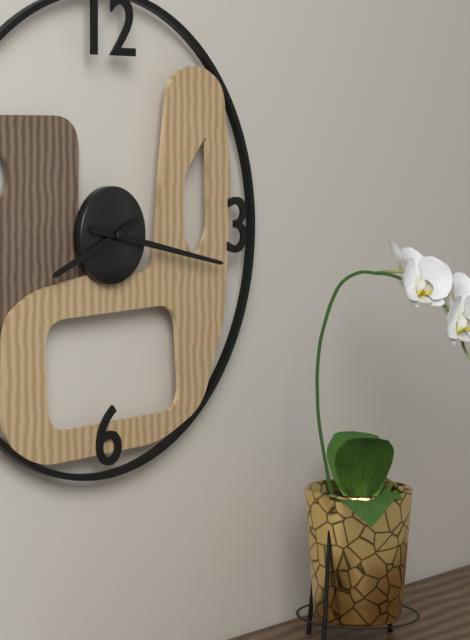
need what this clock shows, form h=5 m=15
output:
h=8 m=17
